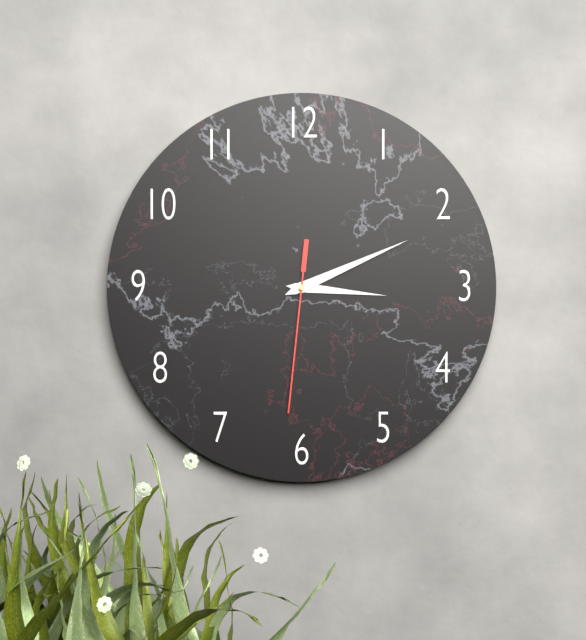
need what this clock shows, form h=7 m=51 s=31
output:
h=3 m=11 s=31
